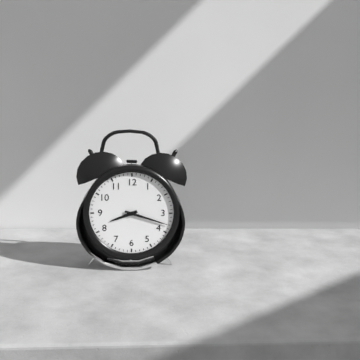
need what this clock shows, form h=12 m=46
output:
h=8 m=18
